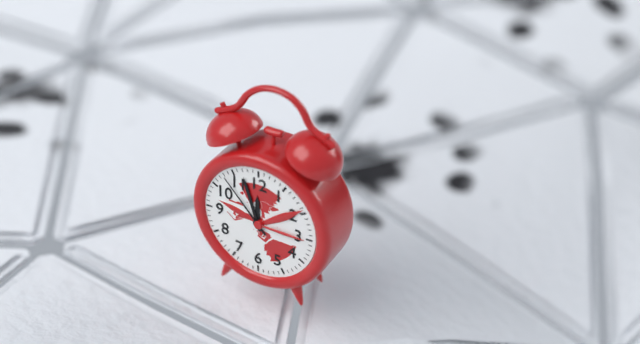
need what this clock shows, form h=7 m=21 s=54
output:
h=11 m=57 s=53
